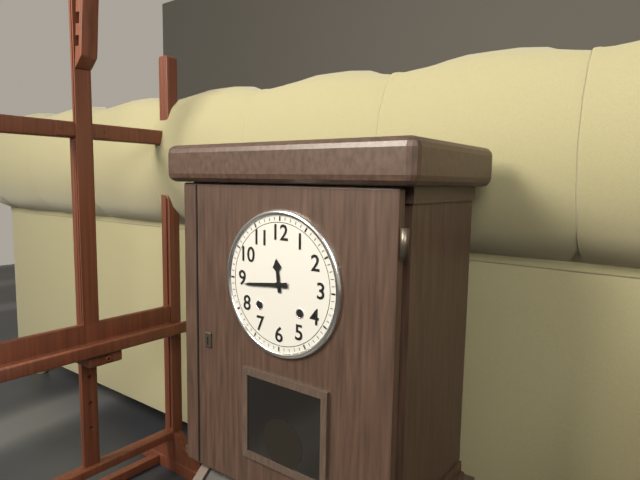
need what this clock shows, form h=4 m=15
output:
h=11 m=44
